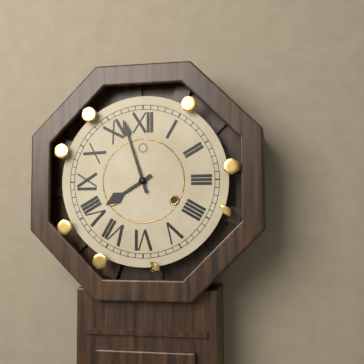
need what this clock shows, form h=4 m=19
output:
h=7 m=57
